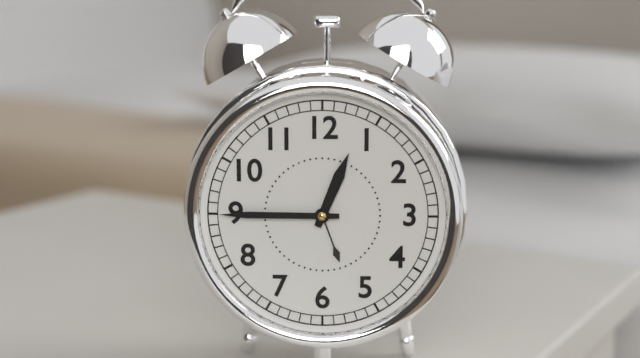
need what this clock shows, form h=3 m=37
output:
h=12 m=45
